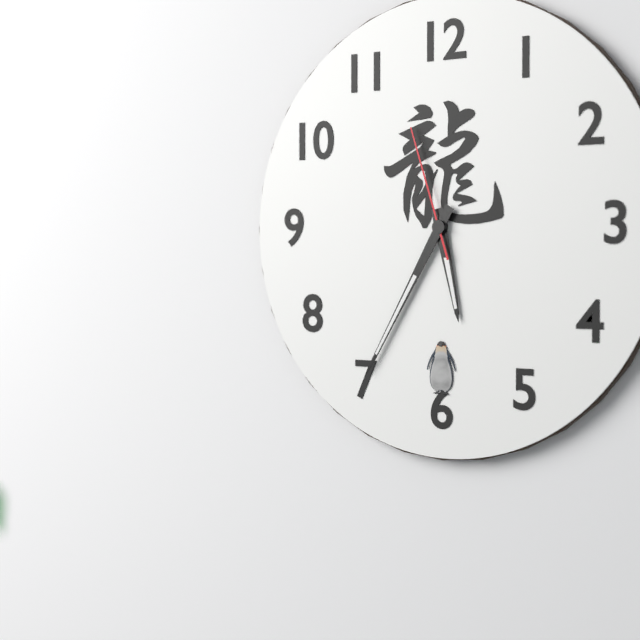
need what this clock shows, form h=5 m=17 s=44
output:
h=5 m=35 s=57
